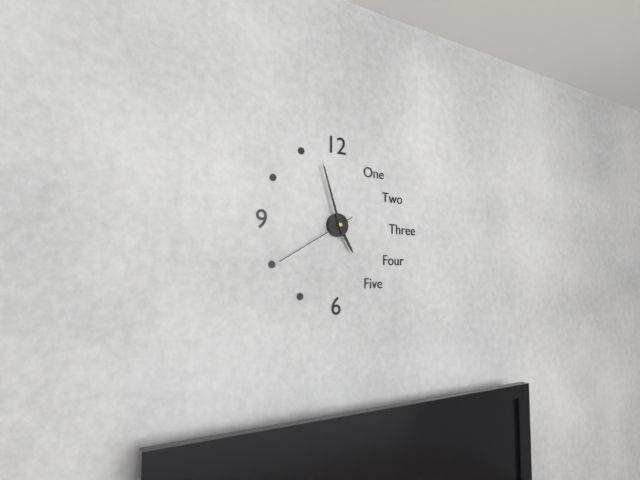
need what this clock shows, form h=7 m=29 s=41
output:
h=4 m=57 s=40
